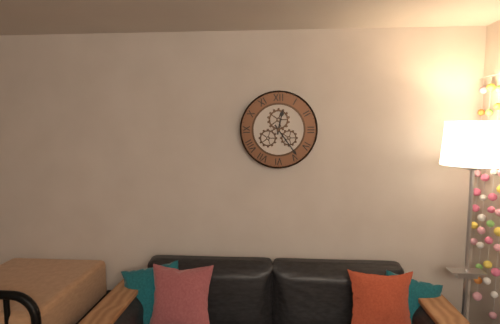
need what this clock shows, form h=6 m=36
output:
h=12 m=24
